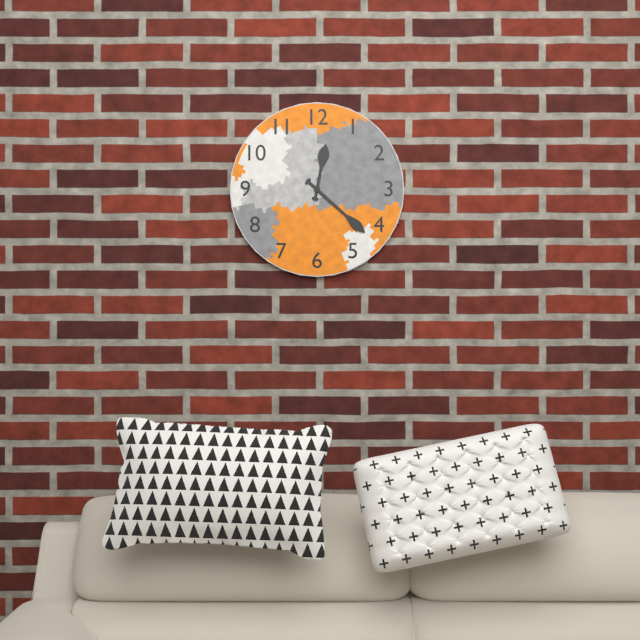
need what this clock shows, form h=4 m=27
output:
h=12 m=22
